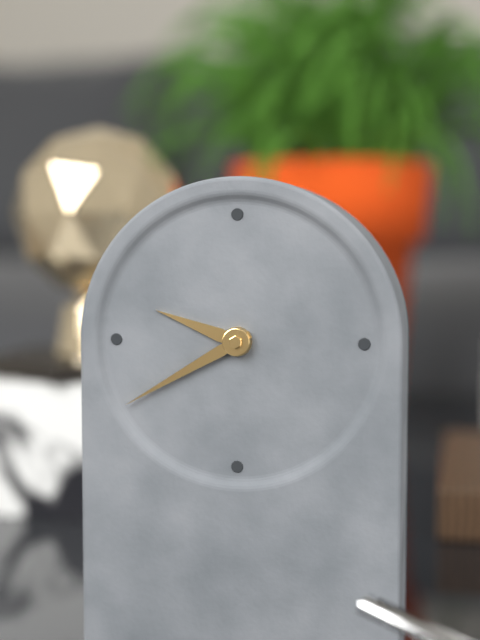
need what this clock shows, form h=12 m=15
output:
h=9 m=40
